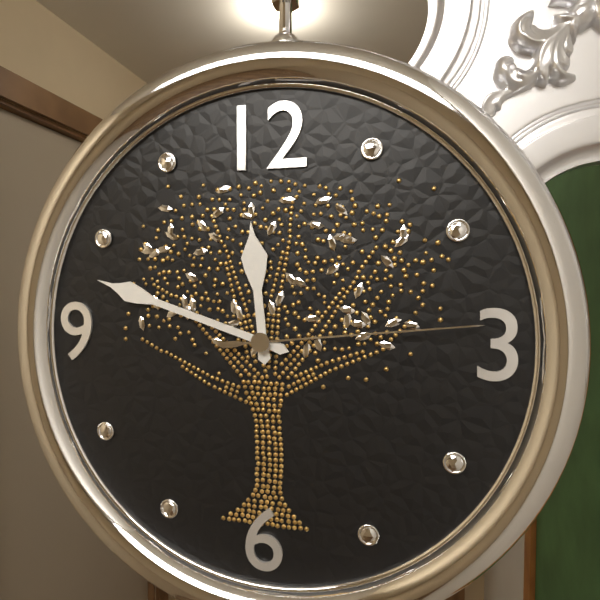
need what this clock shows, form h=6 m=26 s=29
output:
h=11 m=48 s=14
